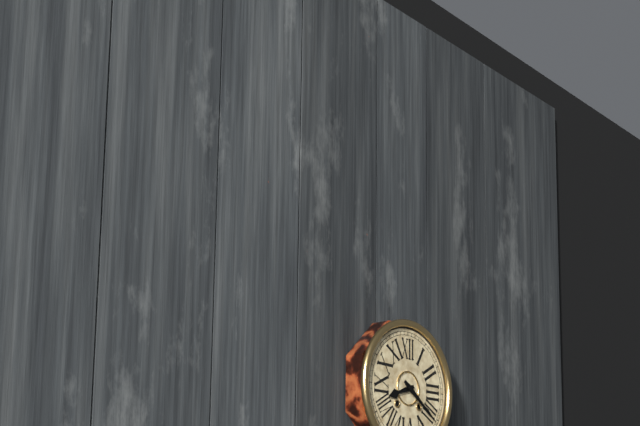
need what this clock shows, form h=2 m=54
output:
h=8 m=21
